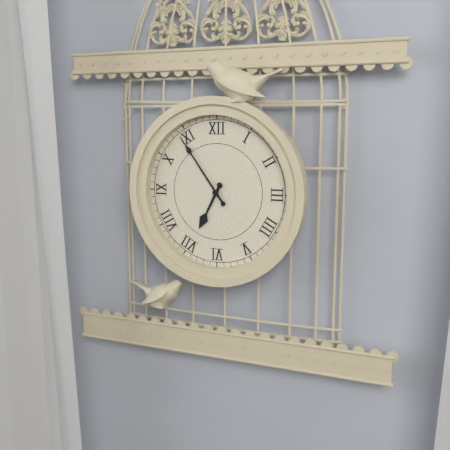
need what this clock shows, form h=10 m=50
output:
h=6 m=54
